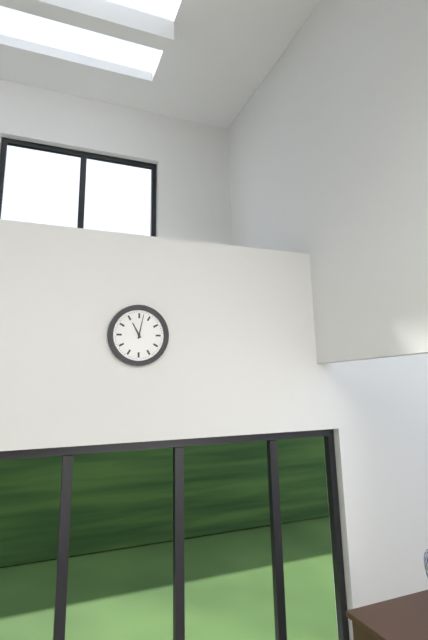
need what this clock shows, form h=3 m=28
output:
h=11 m=2
